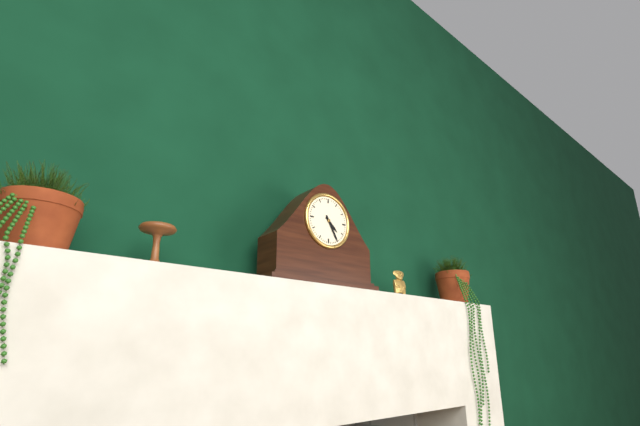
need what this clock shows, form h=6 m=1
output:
h=4 m=25
